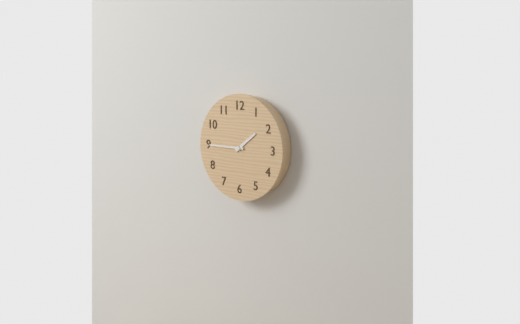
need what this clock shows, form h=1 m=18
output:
h=1 m=45
